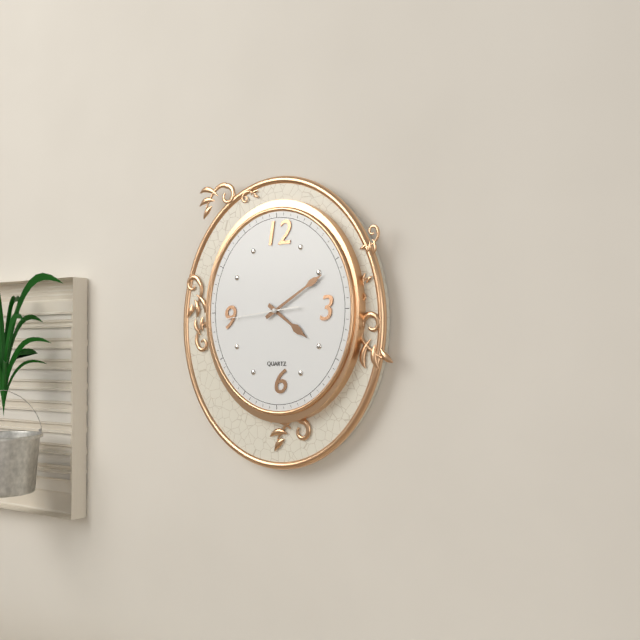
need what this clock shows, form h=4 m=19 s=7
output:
h=4 m=10 s=44
